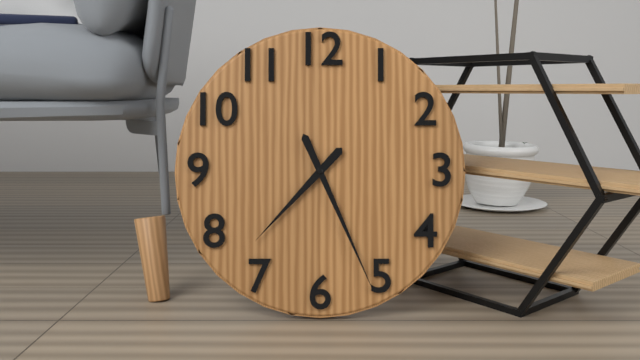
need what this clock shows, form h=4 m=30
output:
h=7 m=26
